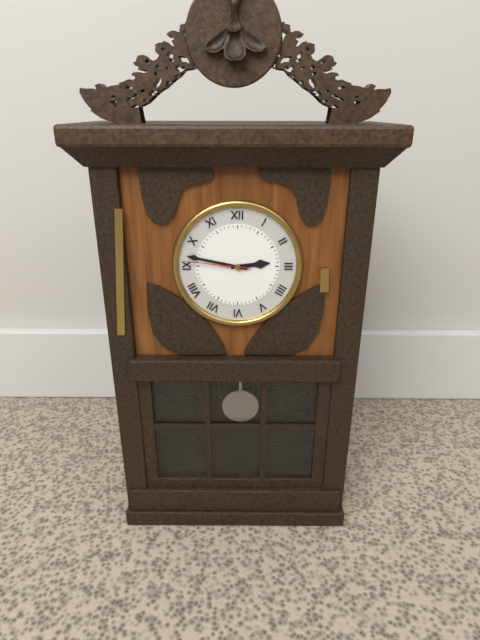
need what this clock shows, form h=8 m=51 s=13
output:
h=2 m=47 s=46
